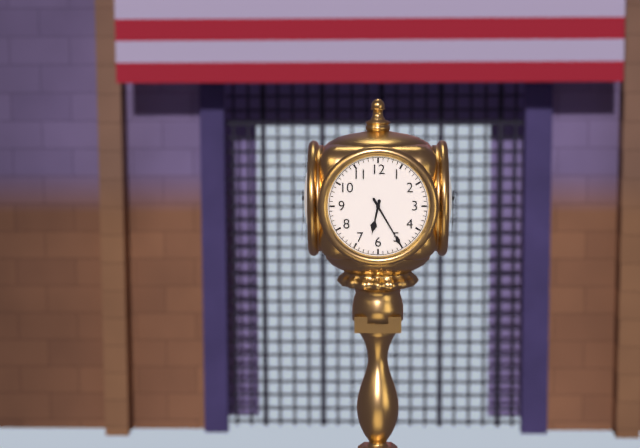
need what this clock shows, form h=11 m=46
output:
h=6 m=25
